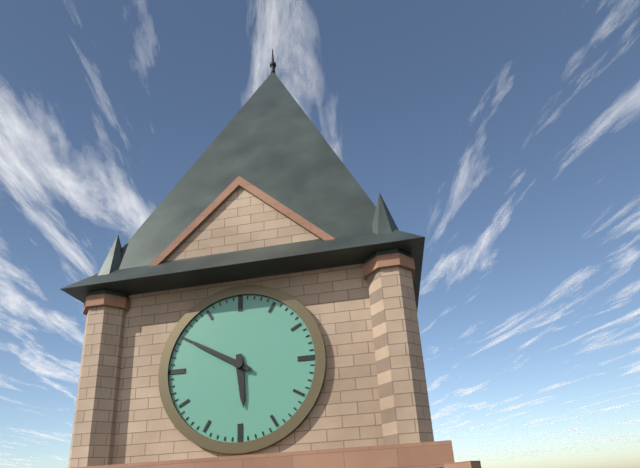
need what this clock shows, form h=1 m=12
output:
h=5 m=50
